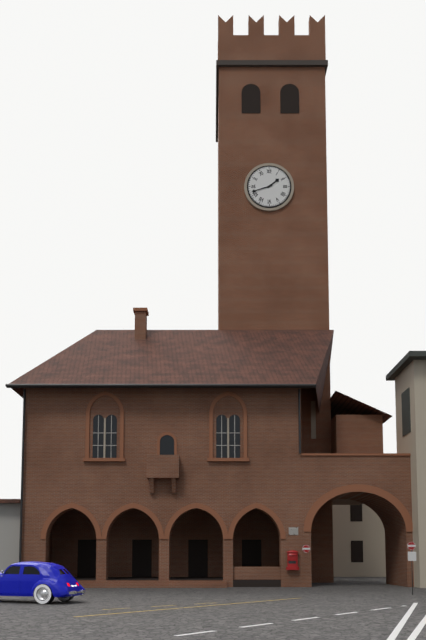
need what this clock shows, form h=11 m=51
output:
h=1 m=42
